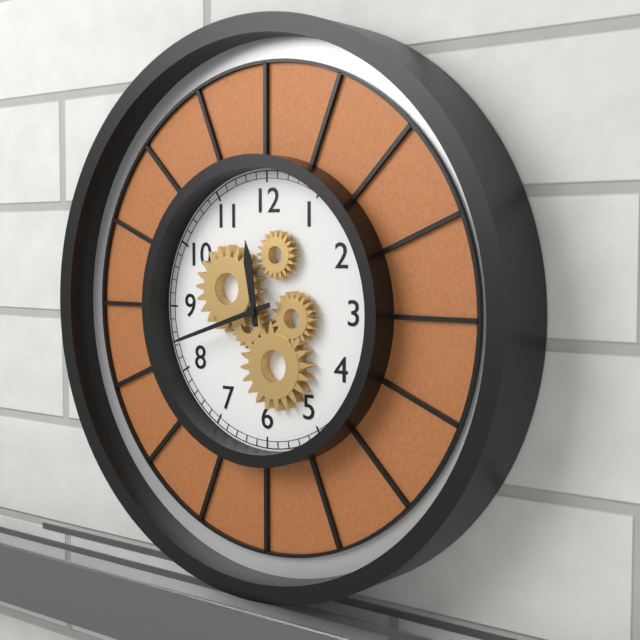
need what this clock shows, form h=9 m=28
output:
h=11 m=42
